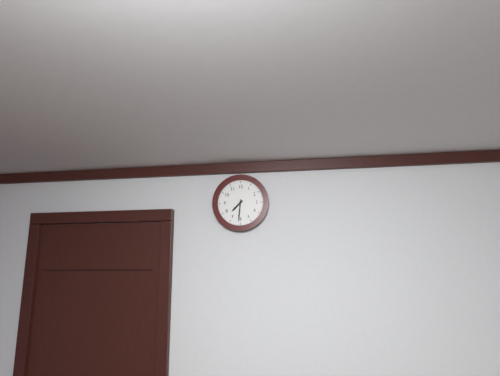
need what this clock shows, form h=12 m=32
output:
h=7 m=31
